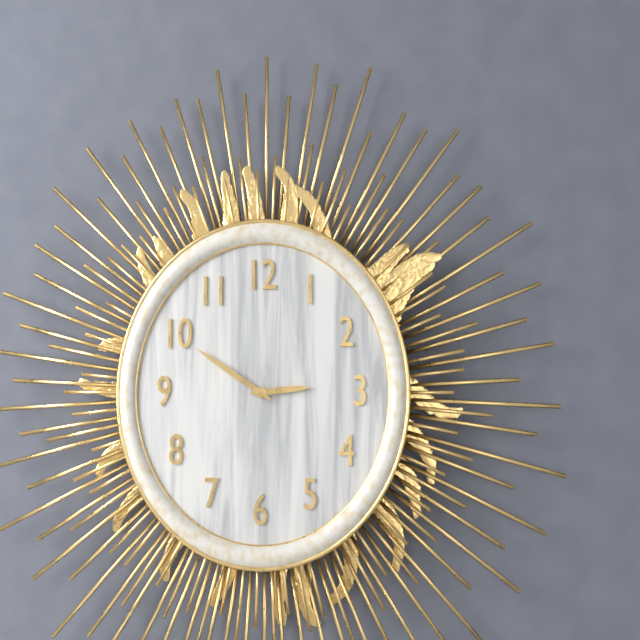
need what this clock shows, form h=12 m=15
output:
h=2 m=50
